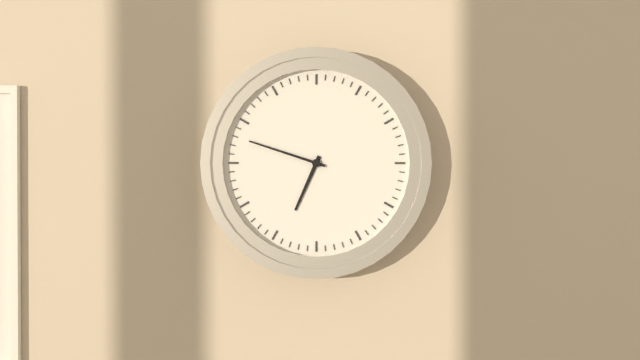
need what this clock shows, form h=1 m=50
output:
h=6 m=48
